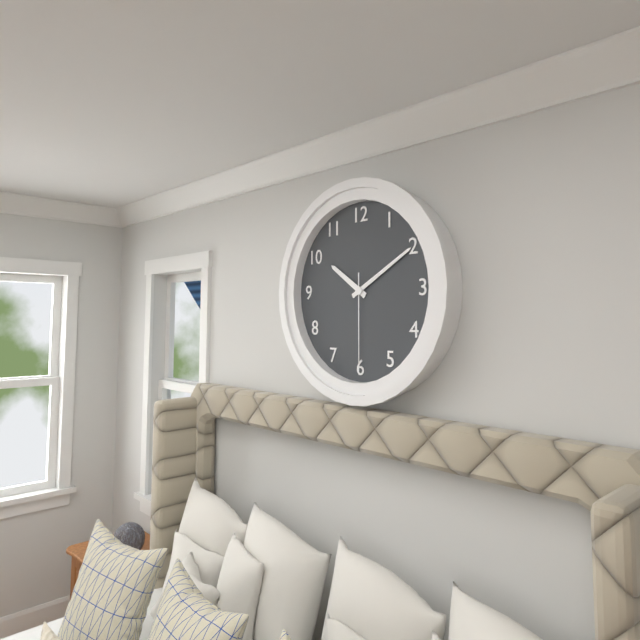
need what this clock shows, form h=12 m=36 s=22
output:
h=10 m=10 s=30
